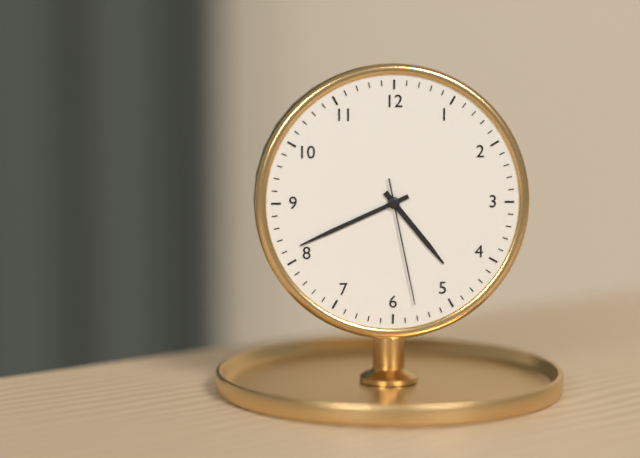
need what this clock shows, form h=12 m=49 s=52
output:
h=4 m=41 s=28
